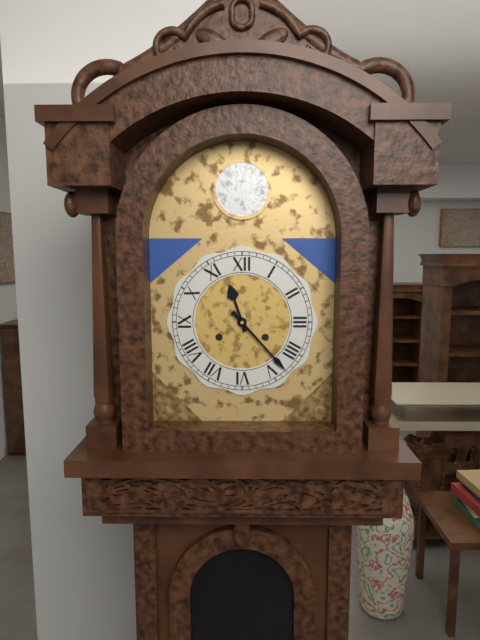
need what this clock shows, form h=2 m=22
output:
h=11 m=23
